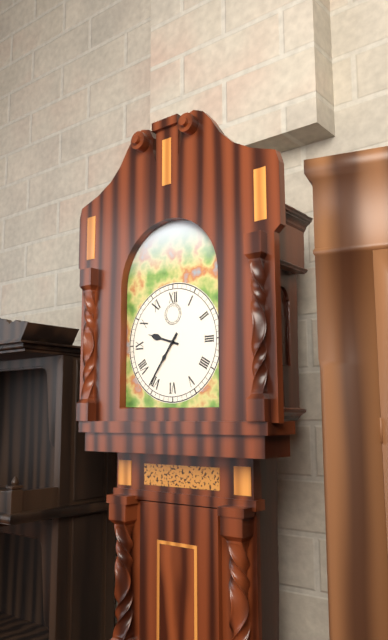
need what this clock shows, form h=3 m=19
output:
h=9 m=36
